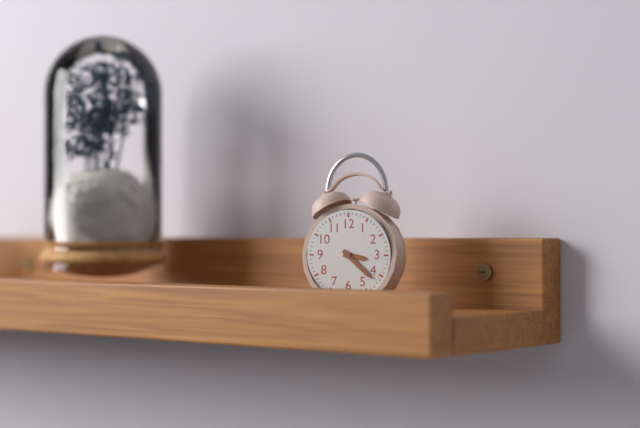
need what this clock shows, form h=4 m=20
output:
h=3 m=22
